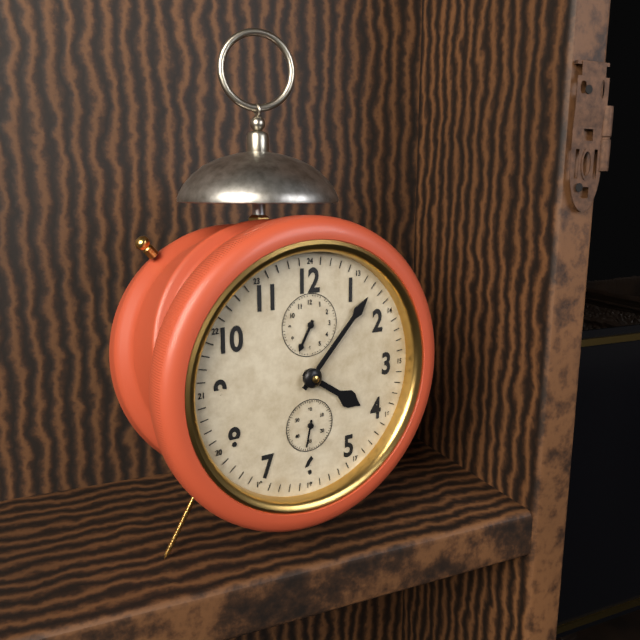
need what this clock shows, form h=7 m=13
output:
h=4 m=7
